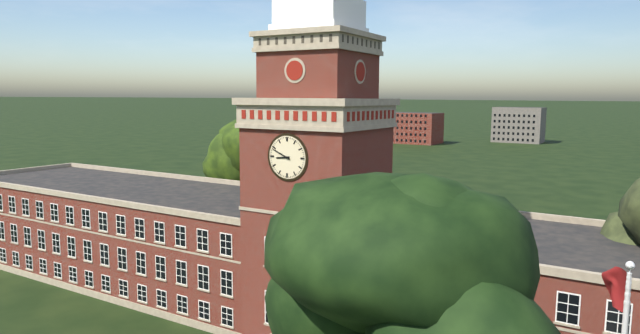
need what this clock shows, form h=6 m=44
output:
h=8 m=49
